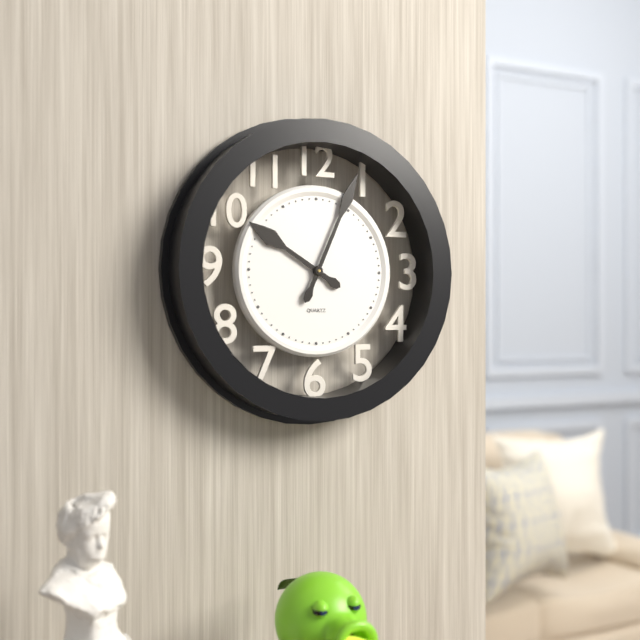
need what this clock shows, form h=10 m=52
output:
h=10 m=4
